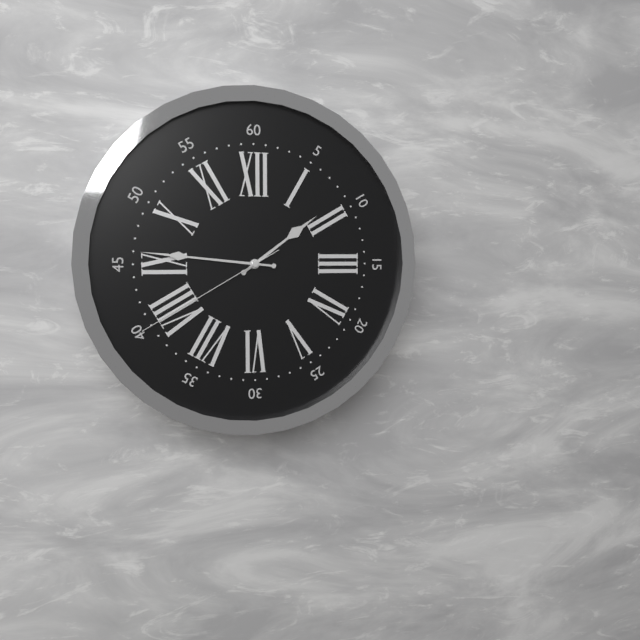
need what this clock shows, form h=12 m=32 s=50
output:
h=1 m=46 s=40
